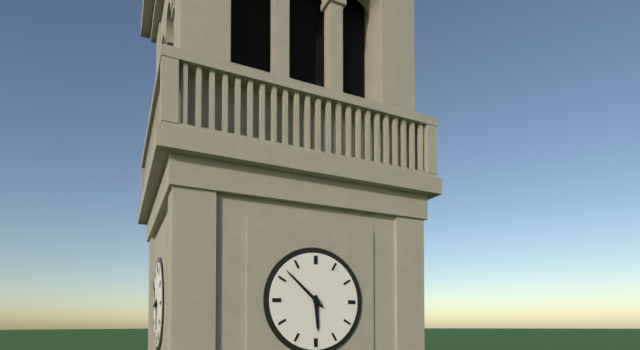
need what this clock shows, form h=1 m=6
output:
h=5 m=52
